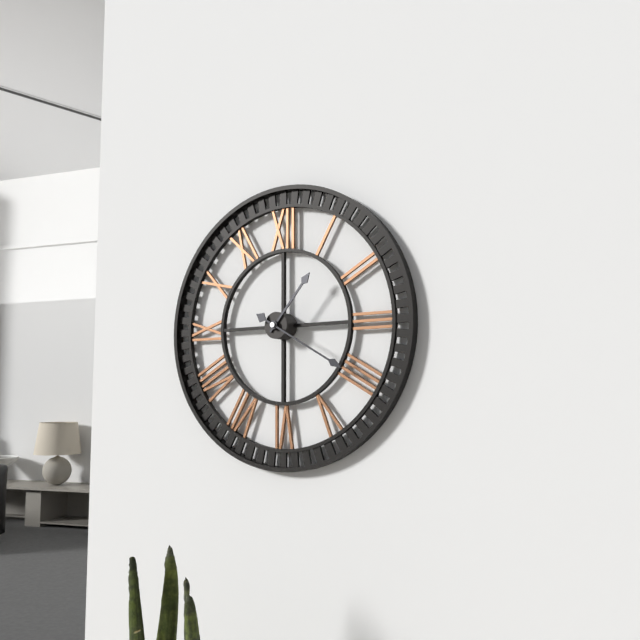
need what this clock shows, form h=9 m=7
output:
h=1 m=20
